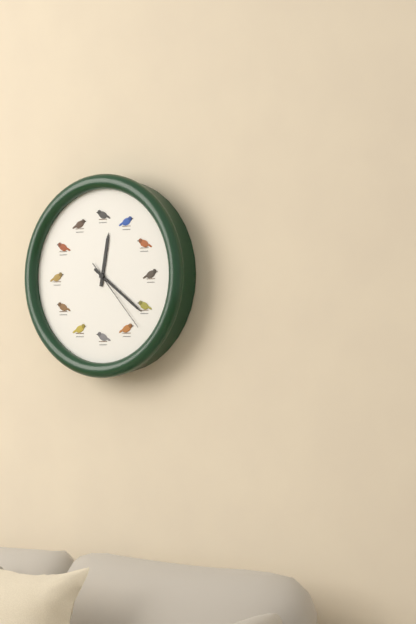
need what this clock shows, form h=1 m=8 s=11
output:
h=12 m=21 s=23
